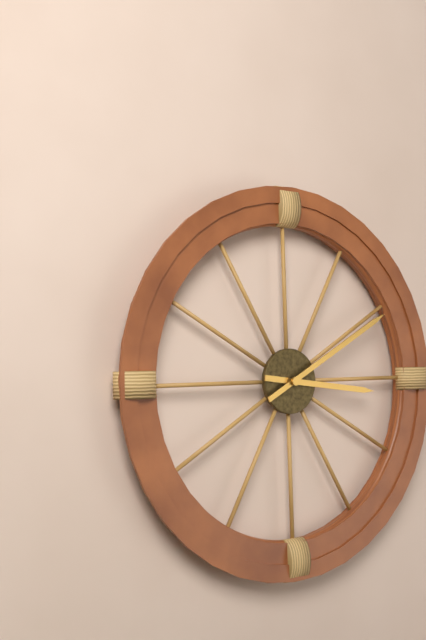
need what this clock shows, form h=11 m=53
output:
h=3 m=10
